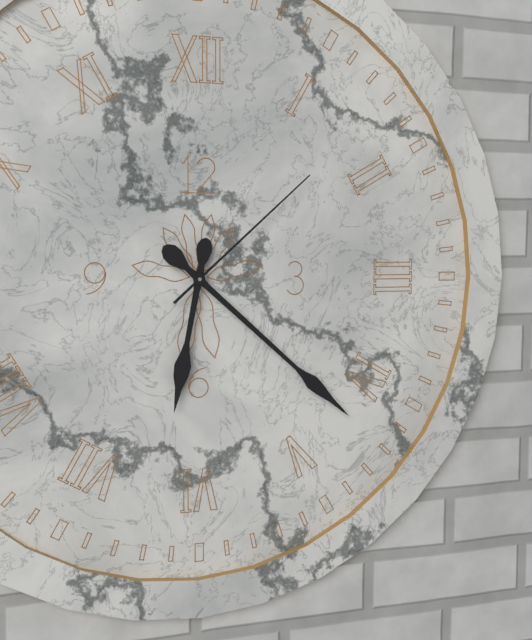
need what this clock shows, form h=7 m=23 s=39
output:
h=6 m=22 s=8
